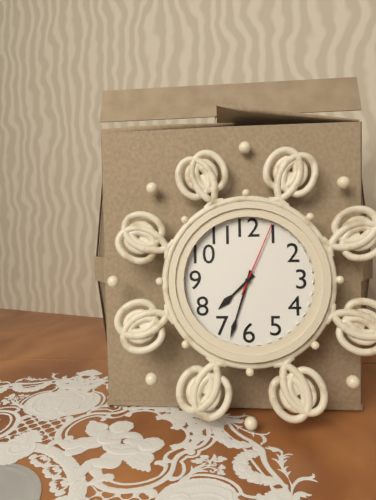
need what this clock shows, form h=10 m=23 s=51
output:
h=7 m=33 s=4
